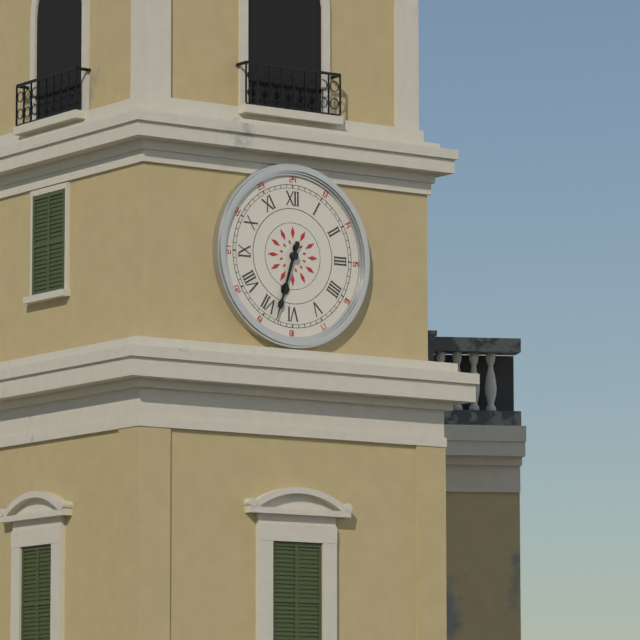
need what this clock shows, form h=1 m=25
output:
h=6 m=33
